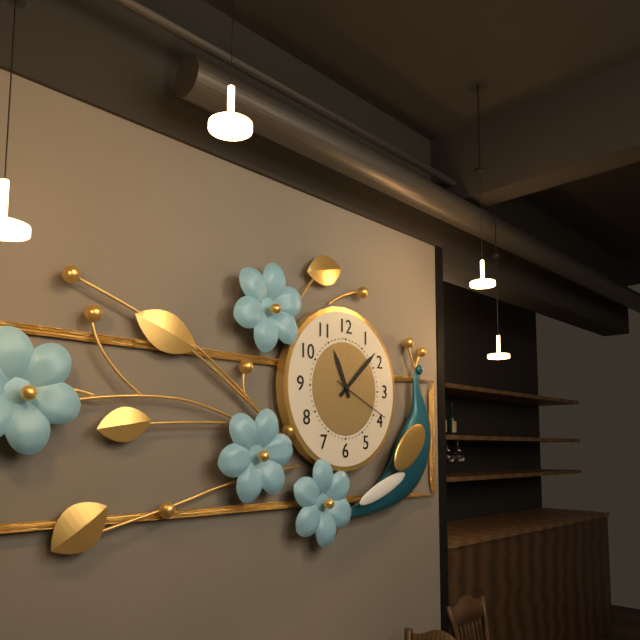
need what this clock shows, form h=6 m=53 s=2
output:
h=11 m=8 s=19
